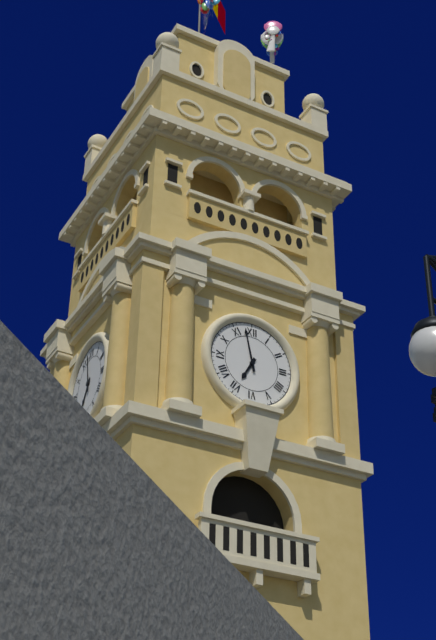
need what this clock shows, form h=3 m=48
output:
h=6 m=58
